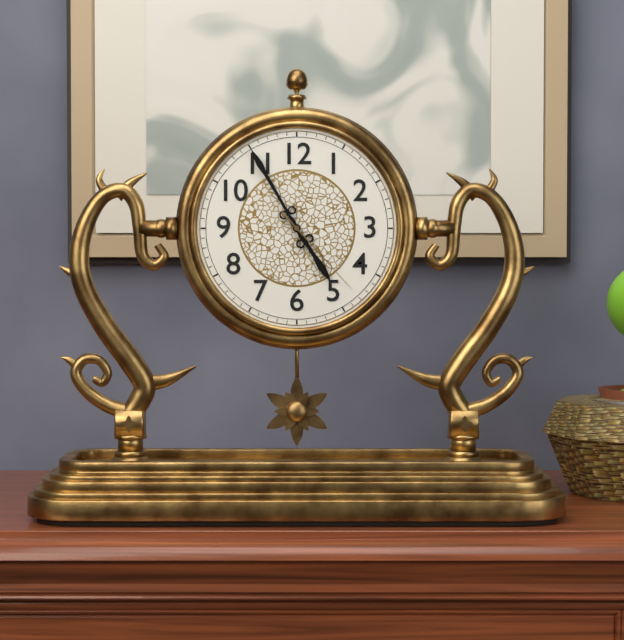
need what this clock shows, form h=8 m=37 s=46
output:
h=4 m=55 s=23
